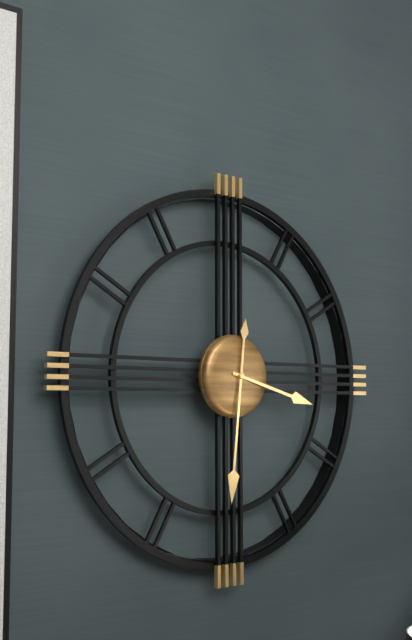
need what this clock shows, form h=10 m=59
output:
h=3 m=31
